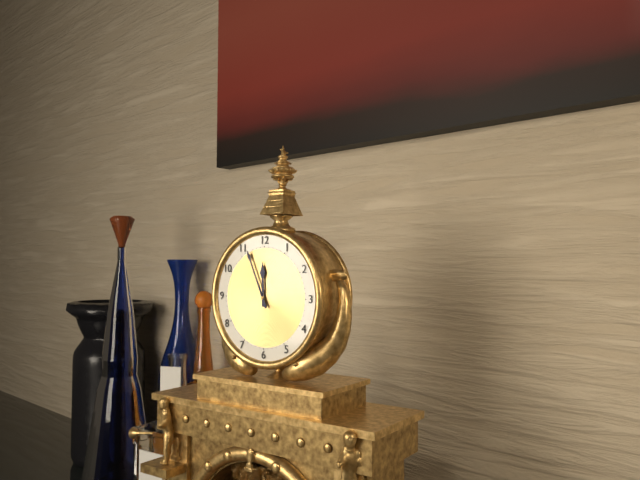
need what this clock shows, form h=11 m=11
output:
h=11 m=56
